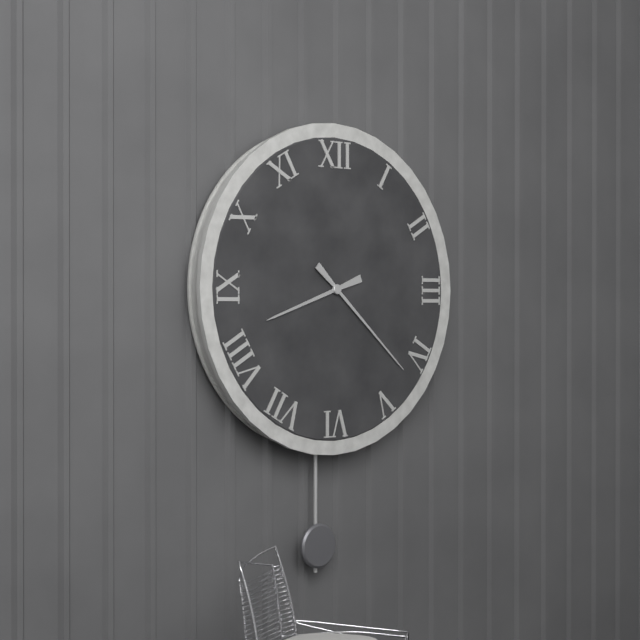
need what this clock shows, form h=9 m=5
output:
h=8 m=22
